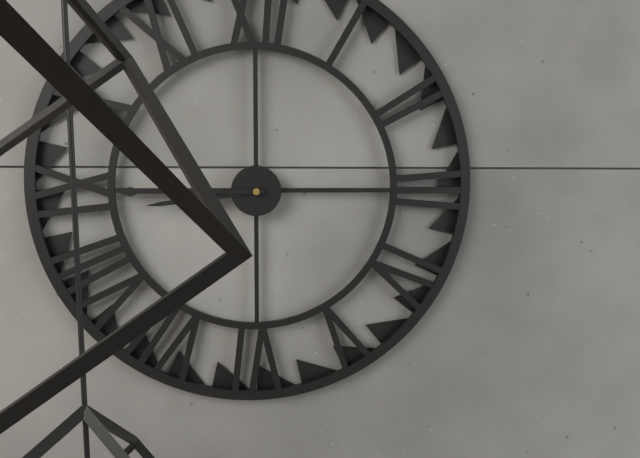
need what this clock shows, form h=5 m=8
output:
h=8 m=45
